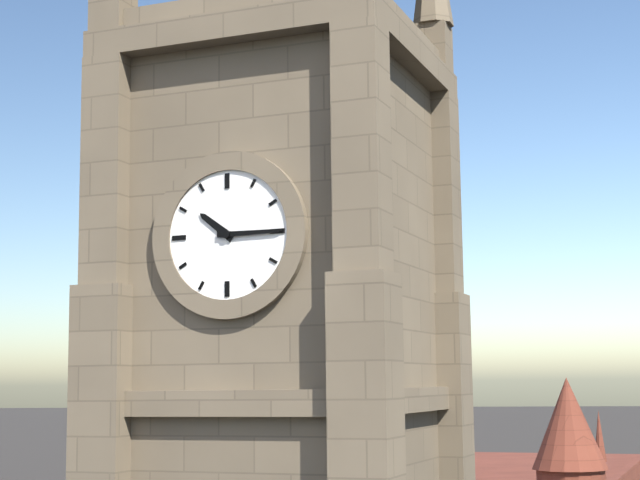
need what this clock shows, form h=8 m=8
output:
h=10 m=15
